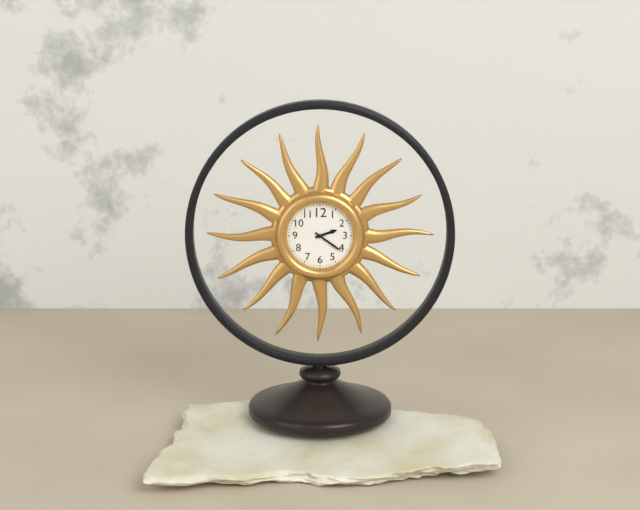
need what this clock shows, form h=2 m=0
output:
h=2 m=21
